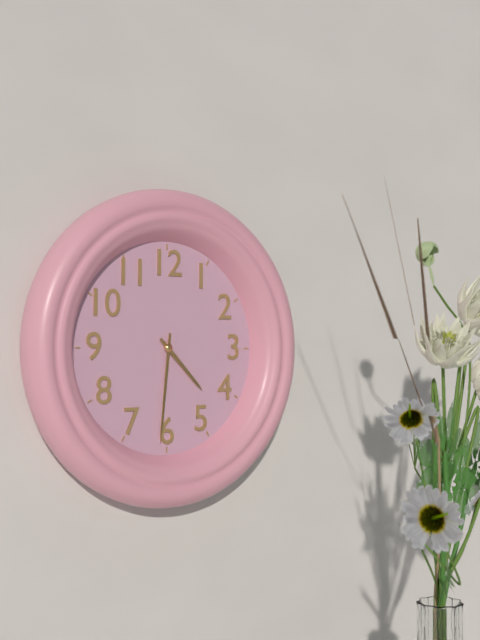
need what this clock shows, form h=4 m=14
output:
h=4 m=31
